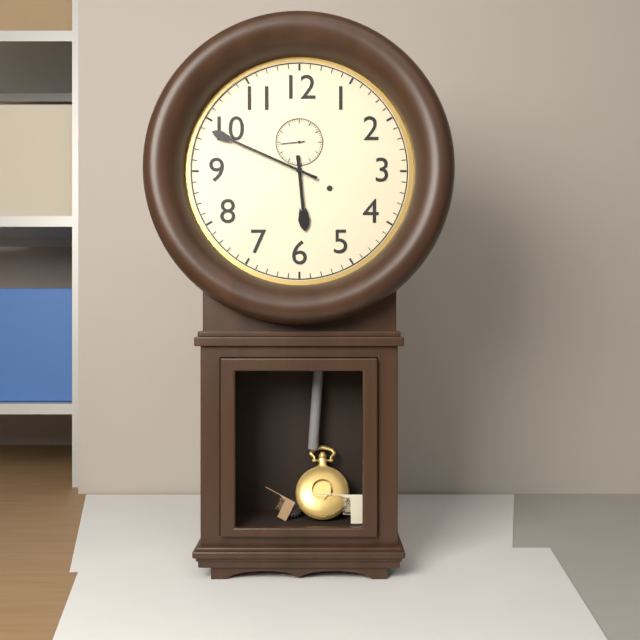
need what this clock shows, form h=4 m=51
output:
h=5 m=49
